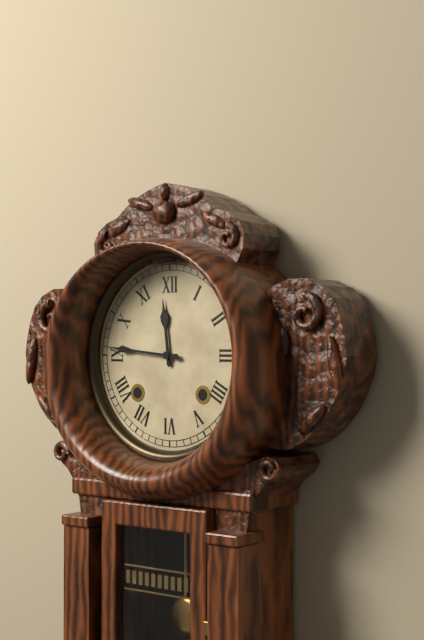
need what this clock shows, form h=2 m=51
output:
h=11 m=46
